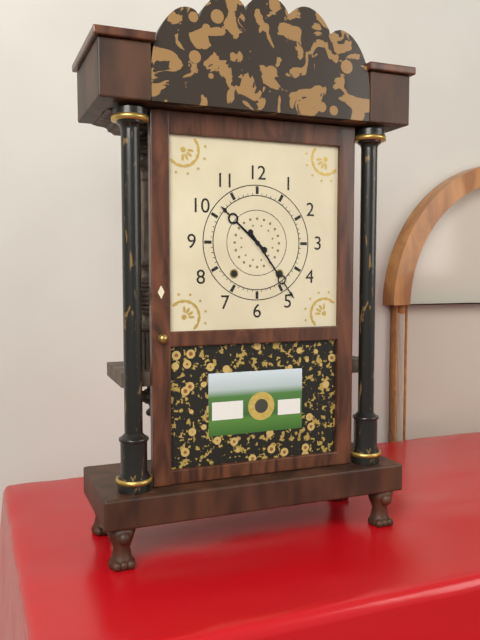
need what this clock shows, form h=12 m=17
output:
h=10 m=24
